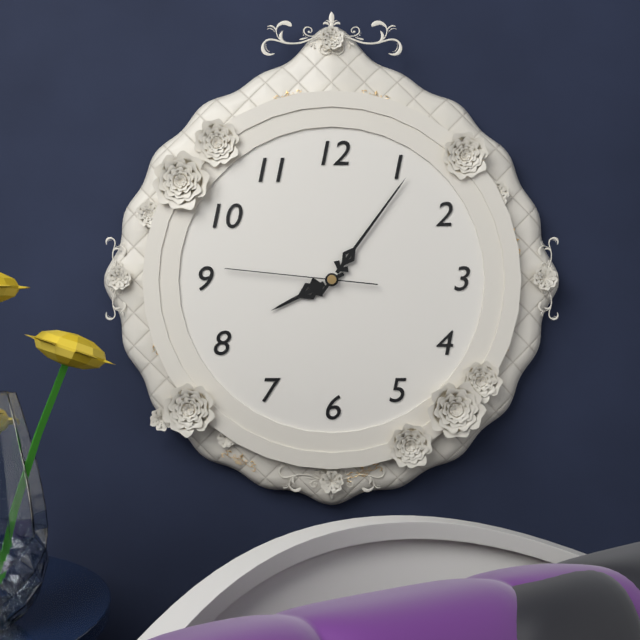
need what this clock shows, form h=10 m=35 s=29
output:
h=8 m=6 s=46
